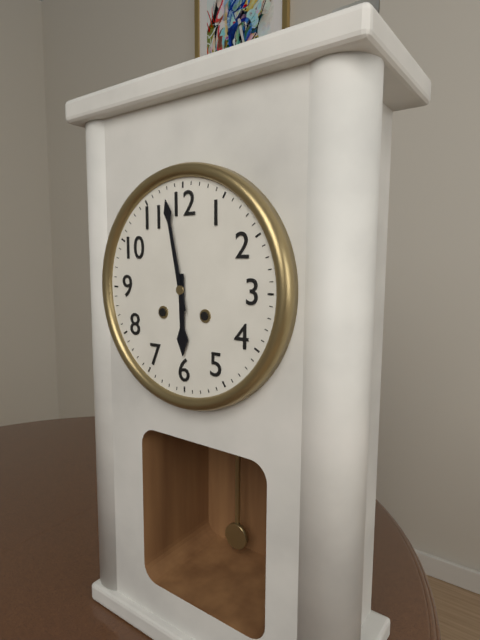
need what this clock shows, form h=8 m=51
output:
h=5 m=58
